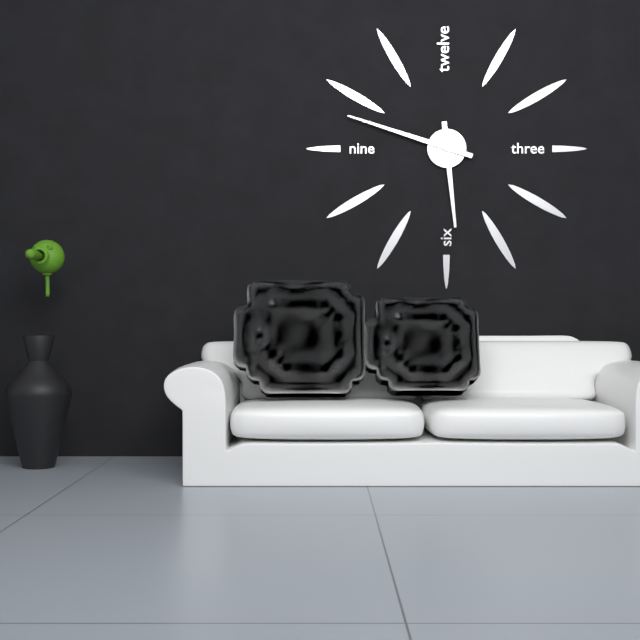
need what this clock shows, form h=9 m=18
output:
h=5 m=48
